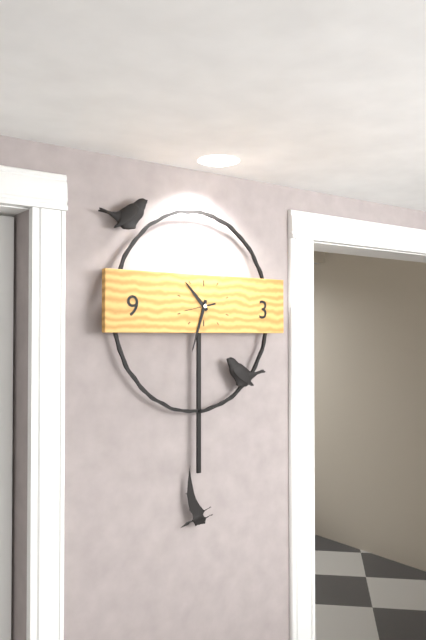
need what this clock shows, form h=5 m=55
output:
h=10 m=33
